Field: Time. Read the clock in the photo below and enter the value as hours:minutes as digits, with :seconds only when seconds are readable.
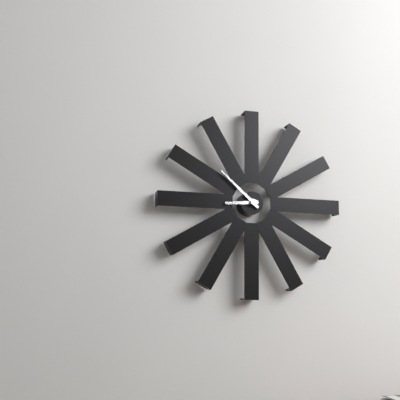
8:52
